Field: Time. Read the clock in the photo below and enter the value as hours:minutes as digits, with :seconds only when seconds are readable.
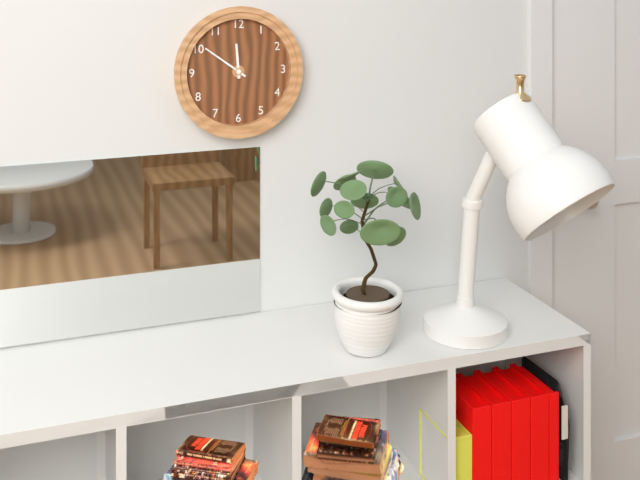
11:51
